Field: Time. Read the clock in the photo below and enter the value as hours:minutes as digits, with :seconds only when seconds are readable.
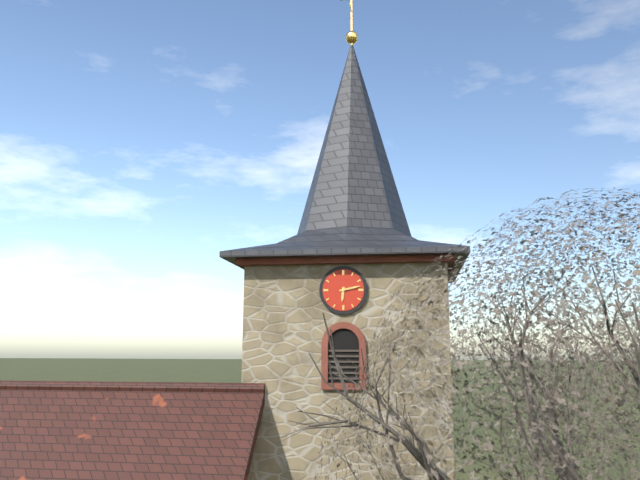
6:13
